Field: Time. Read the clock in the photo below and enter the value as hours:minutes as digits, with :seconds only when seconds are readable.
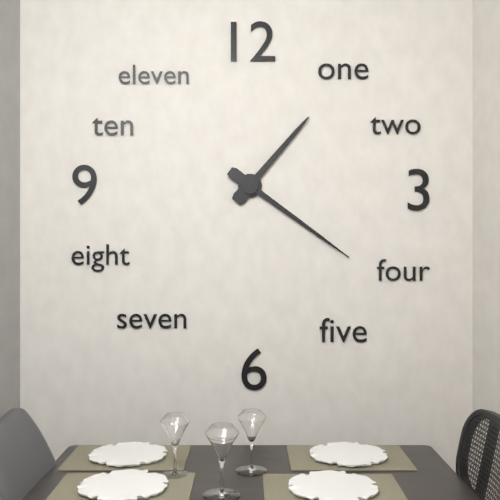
1:21
